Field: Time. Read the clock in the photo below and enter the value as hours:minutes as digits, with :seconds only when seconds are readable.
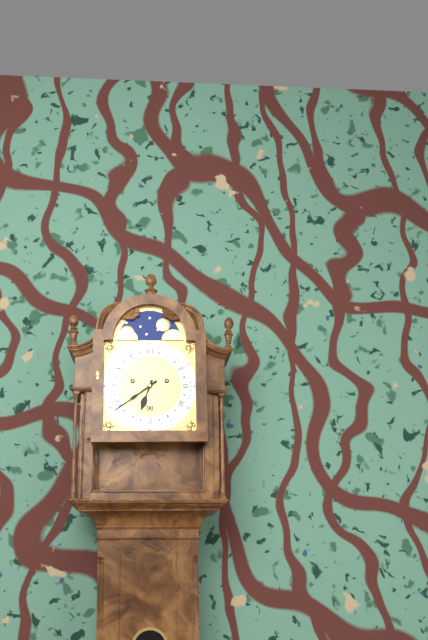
6:39
